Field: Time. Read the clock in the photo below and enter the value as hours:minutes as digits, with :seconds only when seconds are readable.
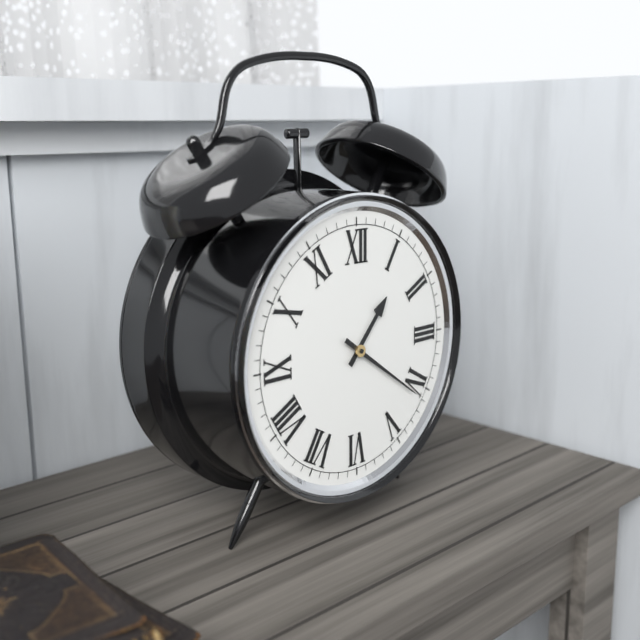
1:21
